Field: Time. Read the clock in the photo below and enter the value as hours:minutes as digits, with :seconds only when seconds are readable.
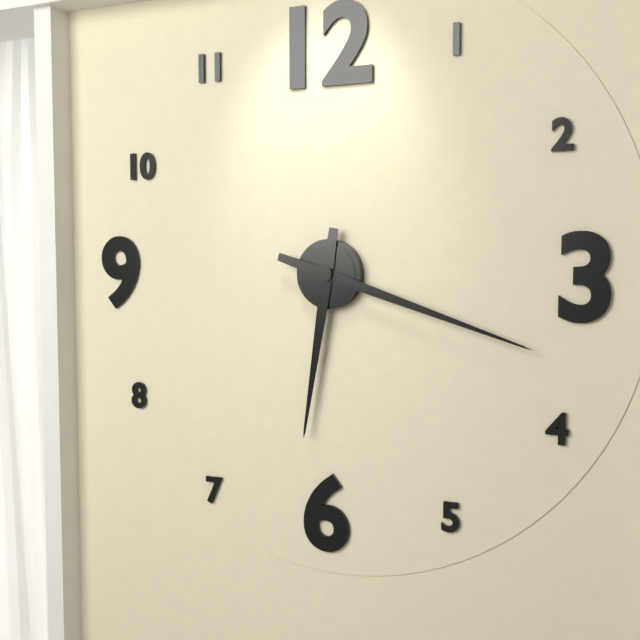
6:18
